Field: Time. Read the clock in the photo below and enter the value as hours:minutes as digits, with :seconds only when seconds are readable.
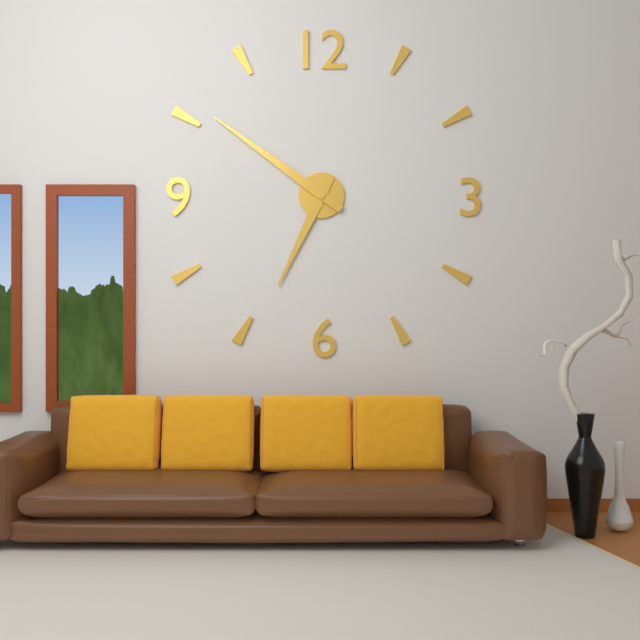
6:51
